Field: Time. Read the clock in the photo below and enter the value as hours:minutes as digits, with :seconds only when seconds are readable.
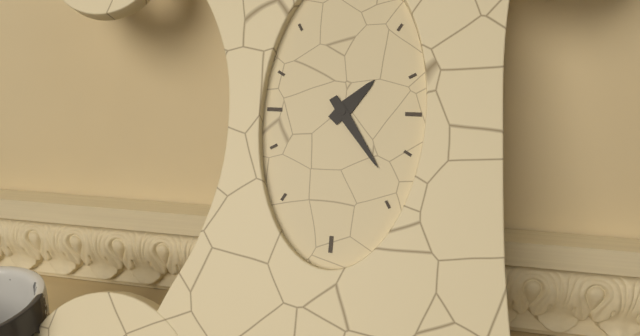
1:24
